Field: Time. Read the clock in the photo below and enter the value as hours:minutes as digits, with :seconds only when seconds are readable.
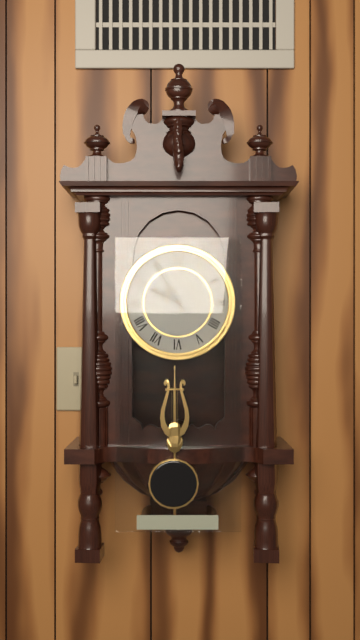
9:55
